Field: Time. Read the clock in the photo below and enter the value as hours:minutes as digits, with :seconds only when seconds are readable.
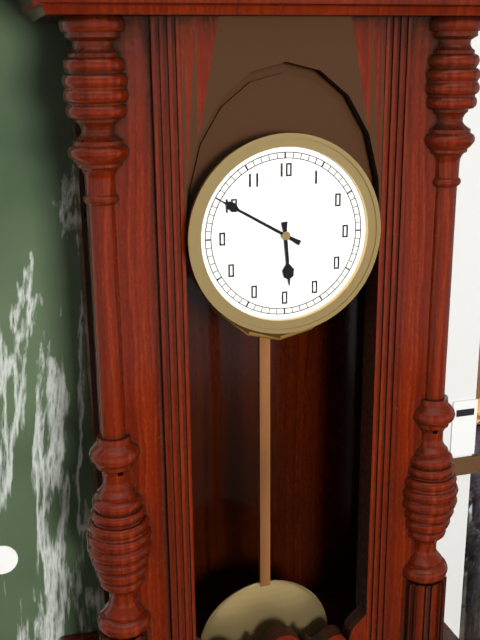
5:50
